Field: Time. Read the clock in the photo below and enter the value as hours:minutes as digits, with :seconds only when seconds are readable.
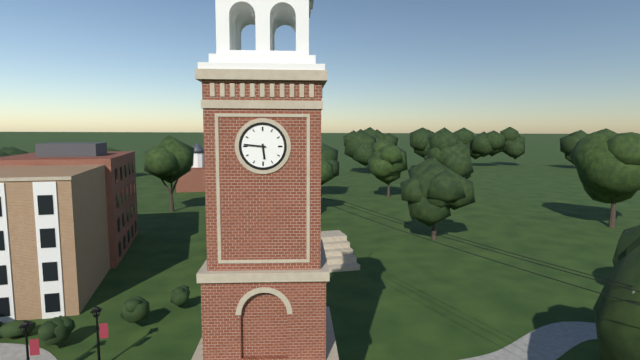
5:46
